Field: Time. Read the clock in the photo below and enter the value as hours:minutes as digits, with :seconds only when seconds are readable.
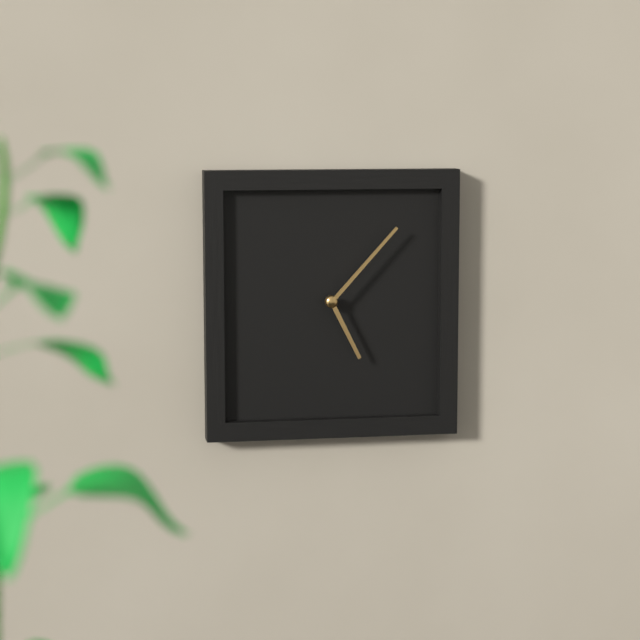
5:07
